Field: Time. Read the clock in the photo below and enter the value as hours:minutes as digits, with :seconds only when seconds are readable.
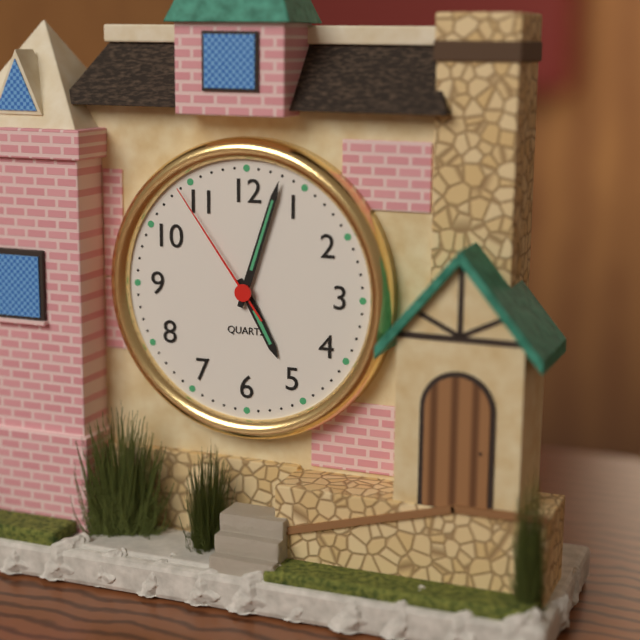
5:03:54
